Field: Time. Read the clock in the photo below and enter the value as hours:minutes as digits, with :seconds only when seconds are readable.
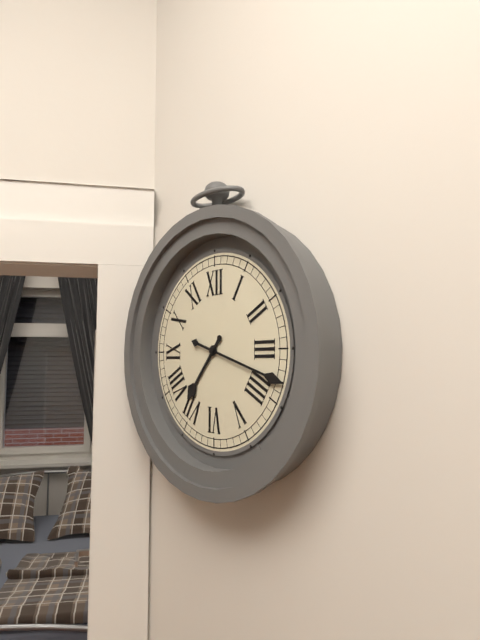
7:18
